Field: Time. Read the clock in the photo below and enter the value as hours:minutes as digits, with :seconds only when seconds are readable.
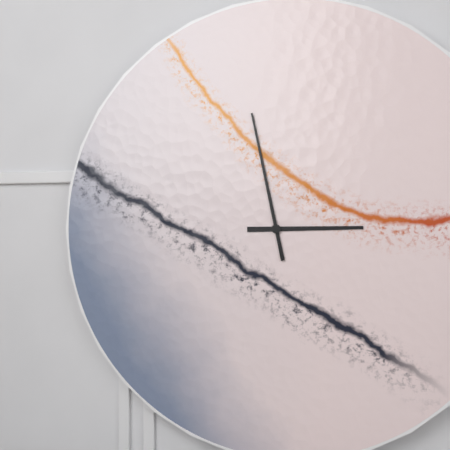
2:58
